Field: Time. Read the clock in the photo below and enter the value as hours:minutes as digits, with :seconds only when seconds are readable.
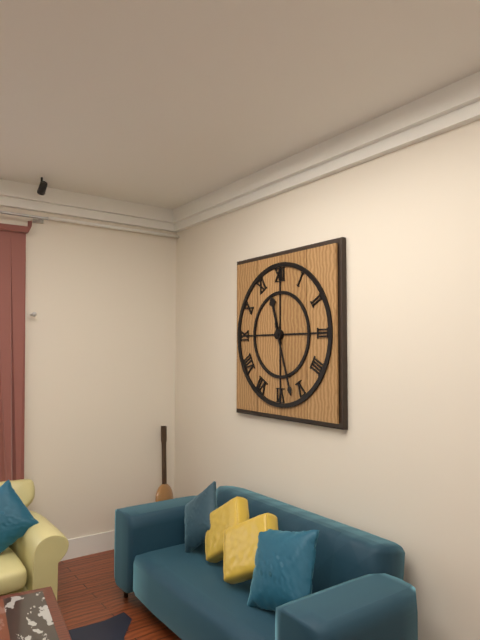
11:27
